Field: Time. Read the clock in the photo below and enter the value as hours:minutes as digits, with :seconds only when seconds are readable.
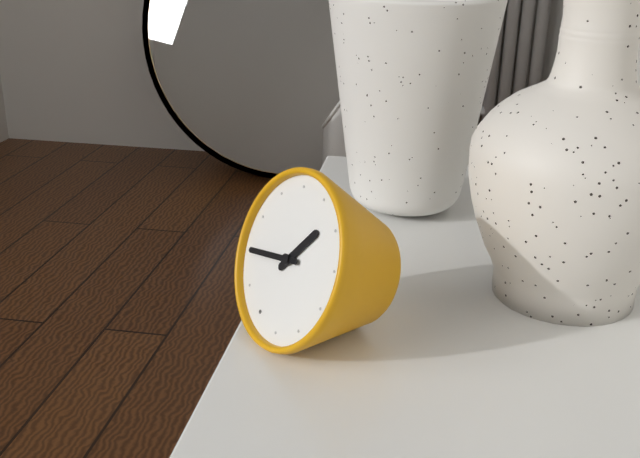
12:40
